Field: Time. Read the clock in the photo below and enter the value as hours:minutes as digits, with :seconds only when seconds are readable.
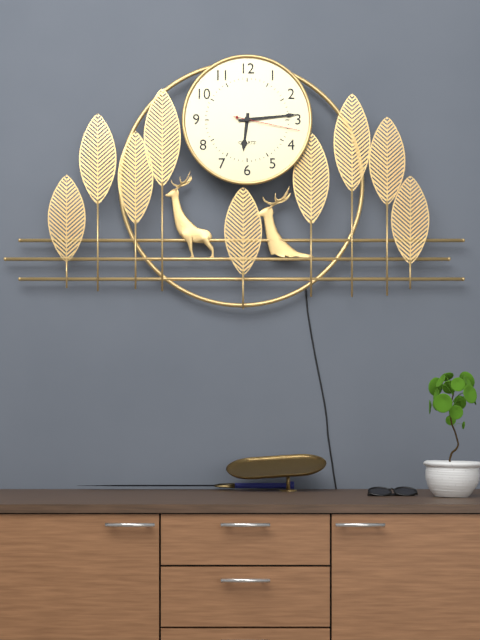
6:14:17
